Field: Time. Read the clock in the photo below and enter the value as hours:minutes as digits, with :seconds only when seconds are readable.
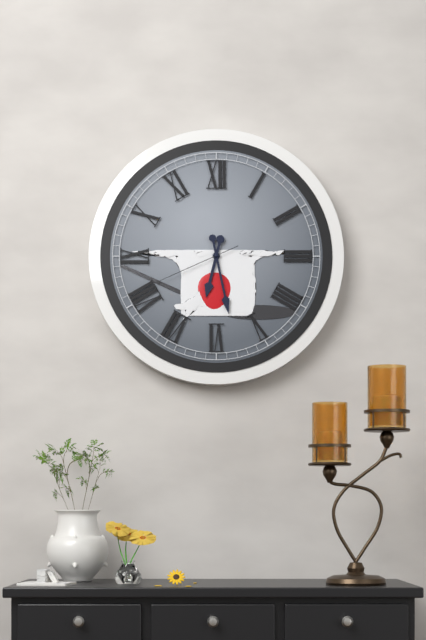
6:28:41
